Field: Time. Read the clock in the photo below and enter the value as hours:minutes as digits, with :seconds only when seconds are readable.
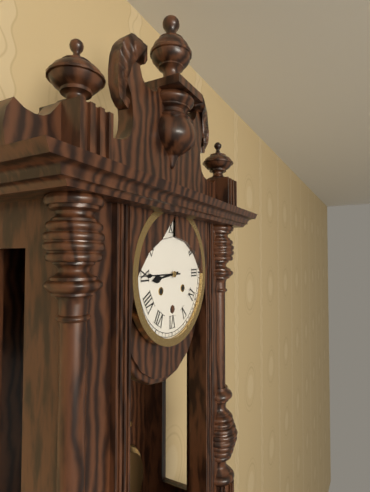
8:45
